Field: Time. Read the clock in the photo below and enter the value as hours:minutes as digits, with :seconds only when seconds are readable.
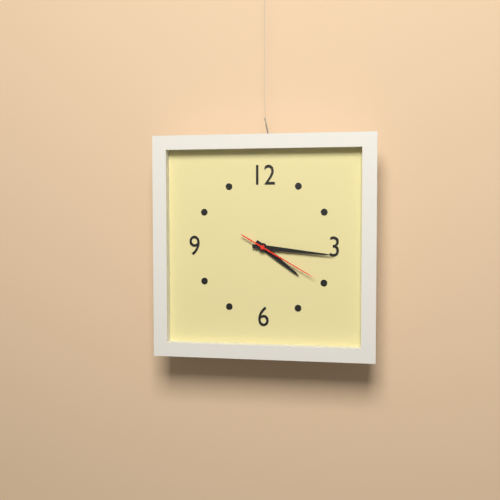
4:16:20
